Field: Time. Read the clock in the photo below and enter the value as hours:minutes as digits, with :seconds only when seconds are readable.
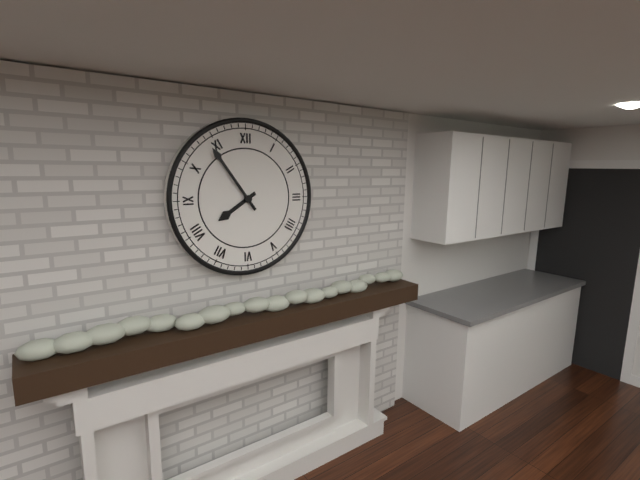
7:54
